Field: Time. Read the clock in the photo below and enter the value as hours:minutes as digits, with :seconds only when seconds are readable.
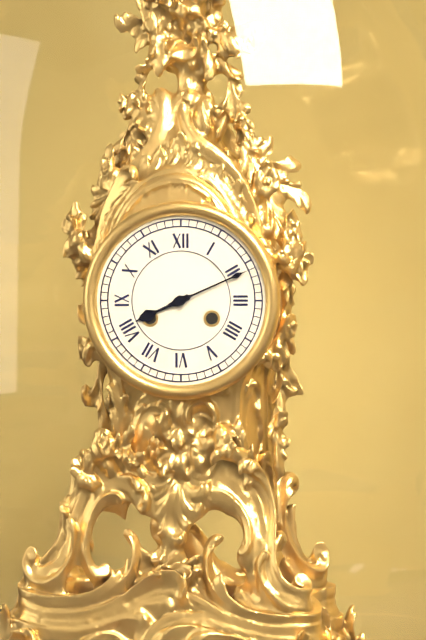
8:11
